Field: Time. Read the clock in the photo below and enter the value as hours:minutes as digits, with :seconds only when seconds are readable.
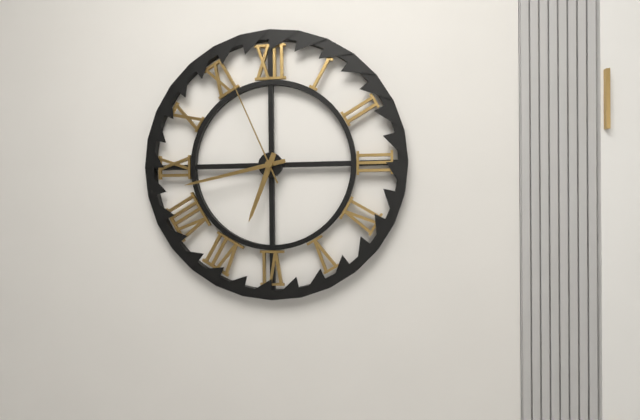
6:43:56
